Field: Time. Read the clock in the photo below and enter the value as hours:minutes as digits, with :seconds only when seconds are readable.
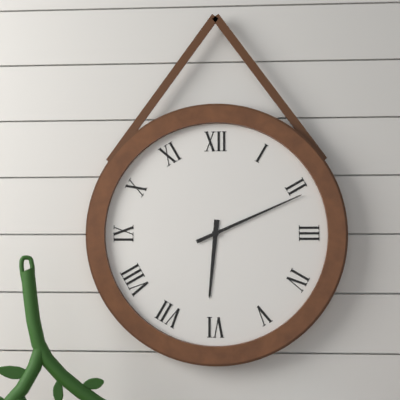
6:11
